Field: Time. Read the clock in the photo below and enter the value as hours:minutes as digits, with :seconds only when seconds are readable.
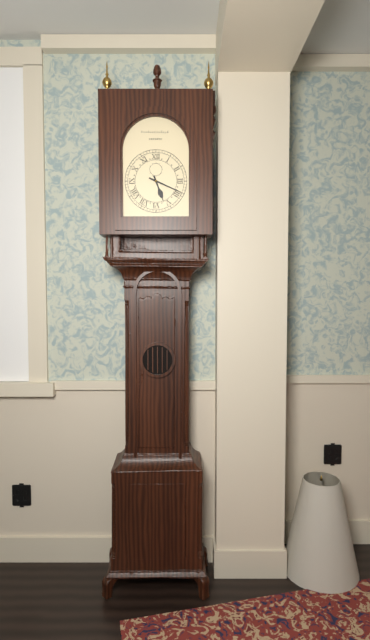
5:19
